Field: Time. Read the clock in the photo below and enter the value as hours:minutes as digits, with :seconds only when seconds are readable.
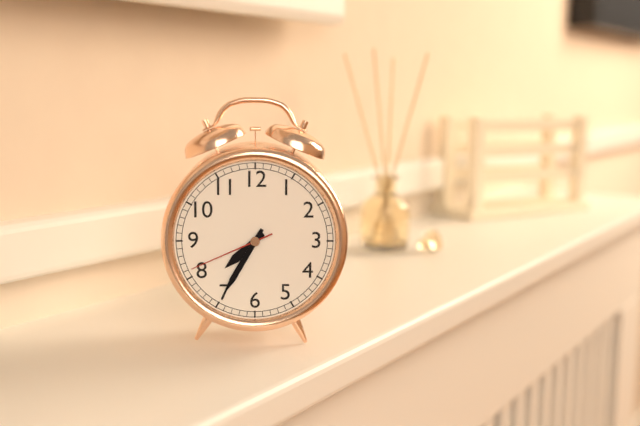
7:35:41
